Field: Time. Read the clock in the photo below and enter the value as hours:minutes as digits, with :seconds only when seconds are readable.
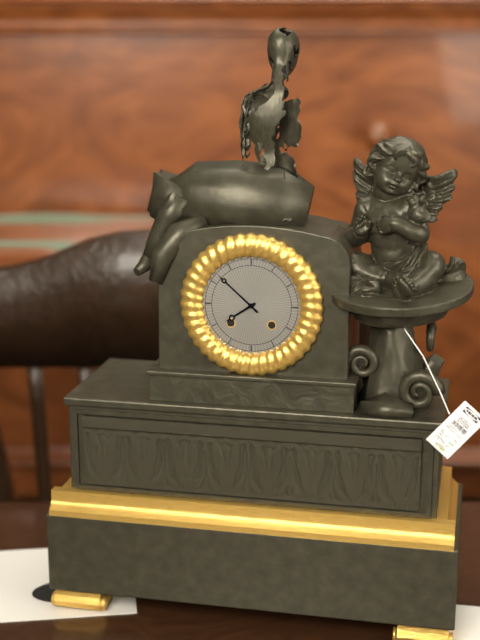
7:52
